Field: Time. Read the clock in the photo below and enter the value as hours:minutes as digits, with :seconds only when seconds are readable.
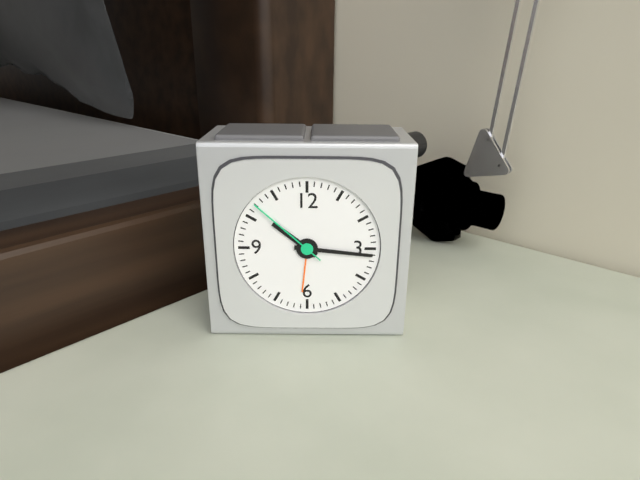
10:16:52
